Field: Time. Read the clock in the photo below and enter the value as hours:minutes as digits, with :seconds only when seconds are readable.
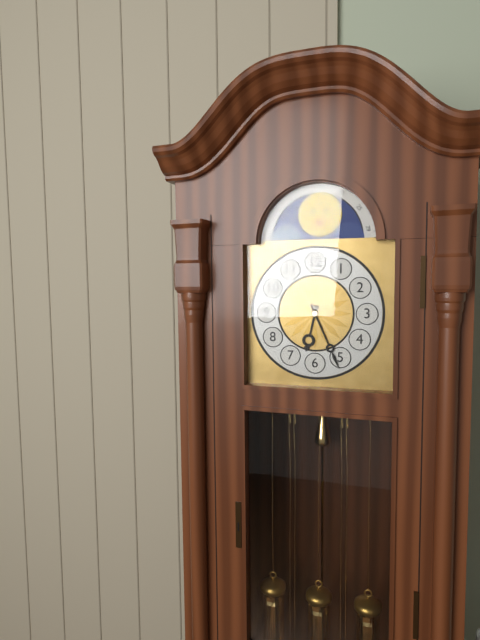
6:26
